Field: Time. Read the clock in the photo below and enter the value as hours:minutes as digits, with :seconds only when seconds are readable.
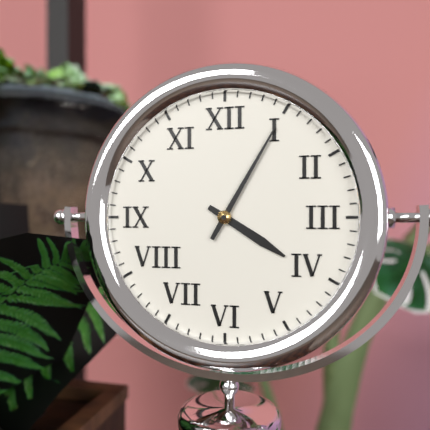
4:05
